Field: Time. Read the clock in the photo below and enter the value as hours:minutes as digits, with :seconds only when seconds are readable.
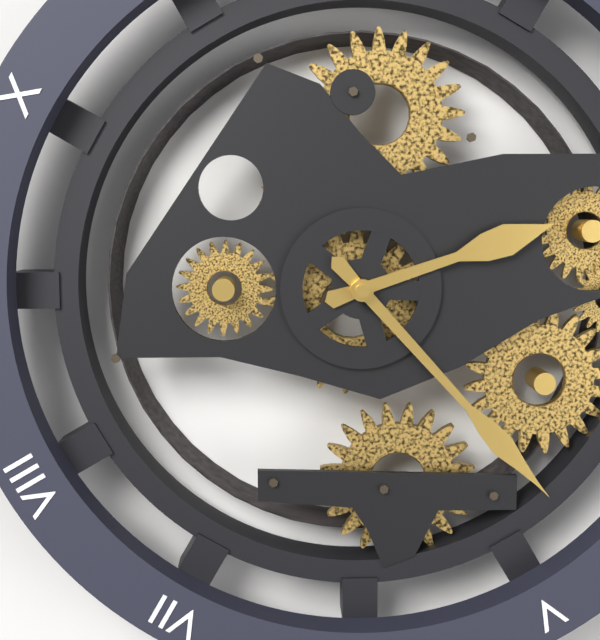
2:23
